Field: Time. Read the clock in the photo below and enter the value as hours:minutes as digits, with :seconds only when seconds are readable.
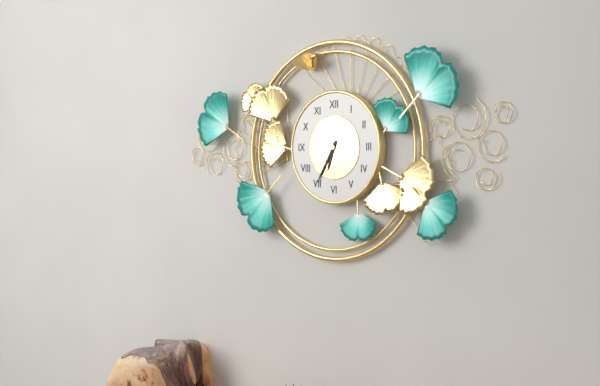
6:35
